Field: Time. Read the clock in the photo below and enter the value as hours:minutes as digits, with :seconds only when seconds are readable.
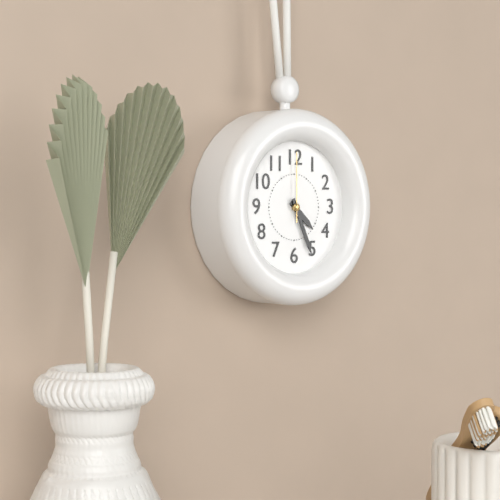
4:26:00
